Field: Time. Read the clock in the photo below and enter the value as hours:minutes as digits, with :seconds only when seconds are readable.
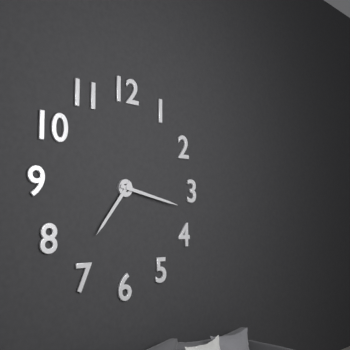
7:17
